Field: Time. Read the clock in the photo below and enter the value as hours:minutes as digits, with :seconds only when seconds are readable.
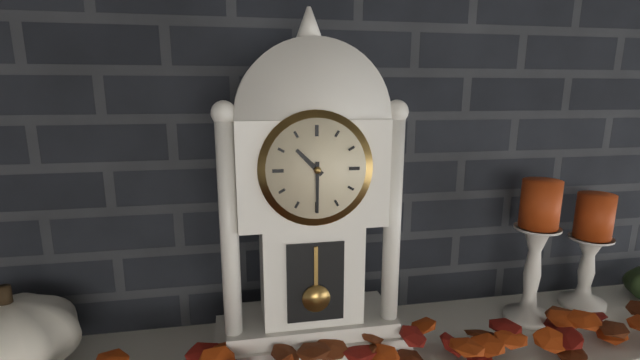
10:30
